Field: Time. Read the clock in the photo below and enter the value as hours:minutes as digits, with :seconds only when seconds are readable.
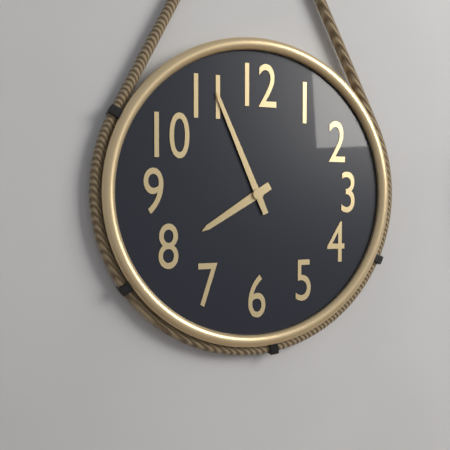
7:56
